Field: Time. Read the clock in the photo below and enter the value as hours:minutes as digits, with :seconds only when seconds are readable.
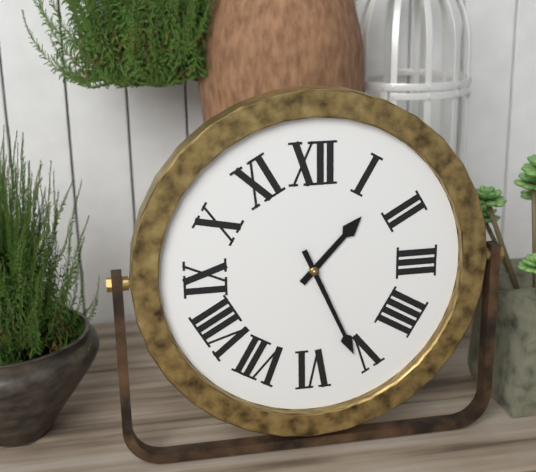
1:26
